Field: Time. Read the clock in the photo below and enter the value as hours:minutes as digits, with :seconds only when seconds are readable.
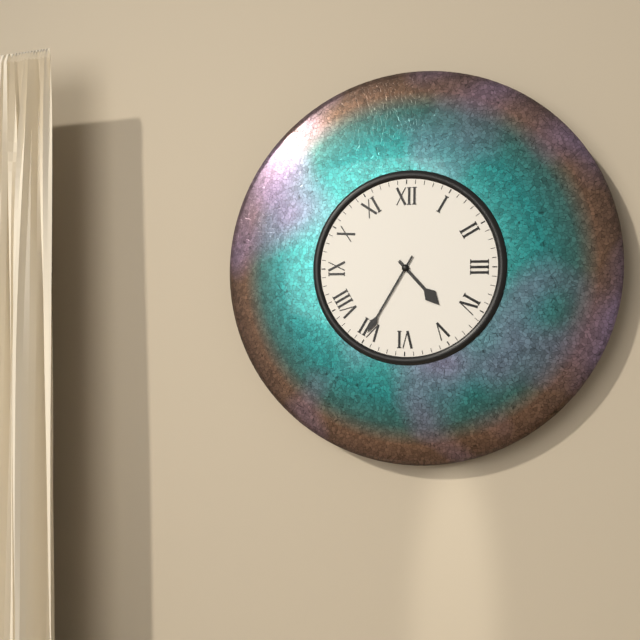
4:35
